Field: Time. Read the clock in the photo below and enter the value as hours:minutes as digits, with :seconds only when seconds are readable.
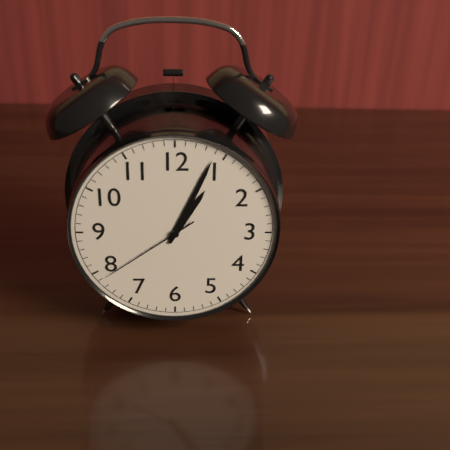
1:04:39
